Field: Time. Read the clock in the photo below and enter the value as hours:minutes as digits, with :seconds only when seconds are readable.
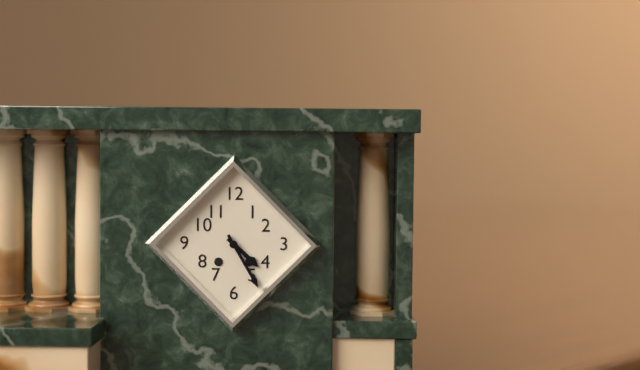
4:25
